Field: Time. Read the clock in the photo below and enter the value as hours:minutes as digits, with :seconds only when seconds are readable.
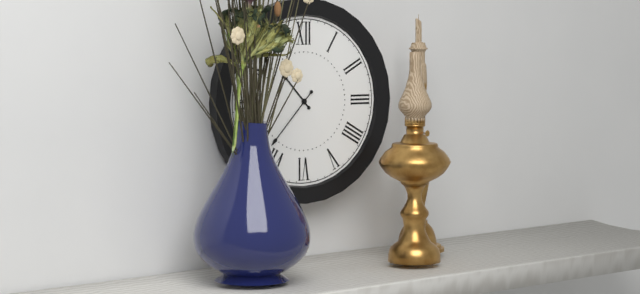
10:37
